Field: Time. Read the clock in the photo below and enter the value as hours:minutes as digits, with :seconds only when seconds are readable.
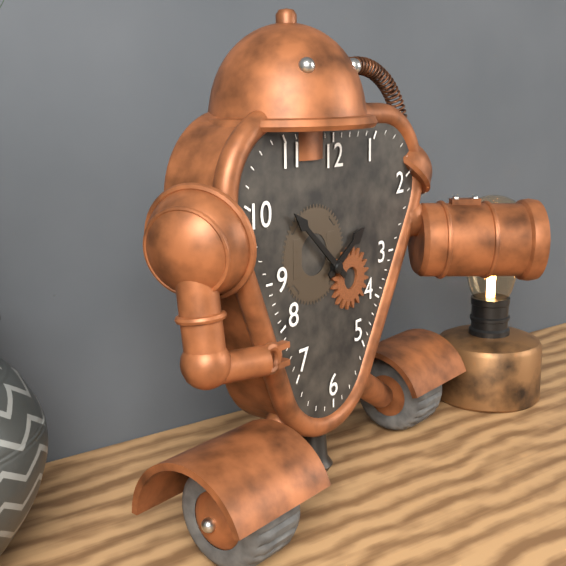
1:52
